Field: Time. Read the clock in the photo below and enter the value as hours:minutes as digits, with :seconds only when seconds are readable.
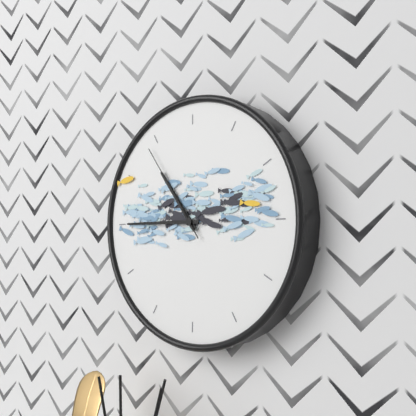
10:45:54
